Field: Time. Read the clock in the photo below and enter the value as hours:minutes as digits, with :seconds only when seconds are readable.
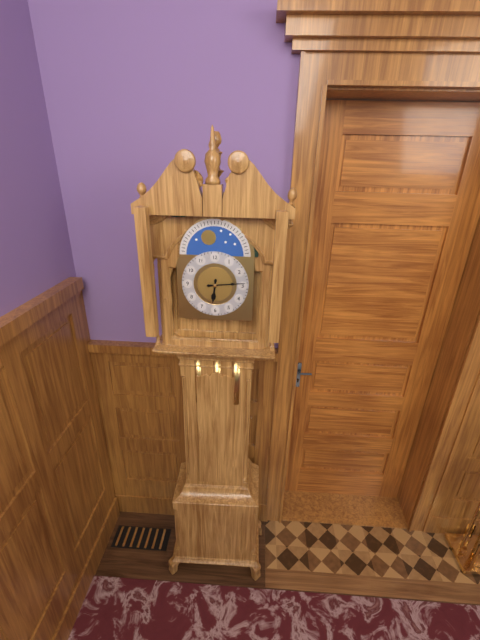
6:14
